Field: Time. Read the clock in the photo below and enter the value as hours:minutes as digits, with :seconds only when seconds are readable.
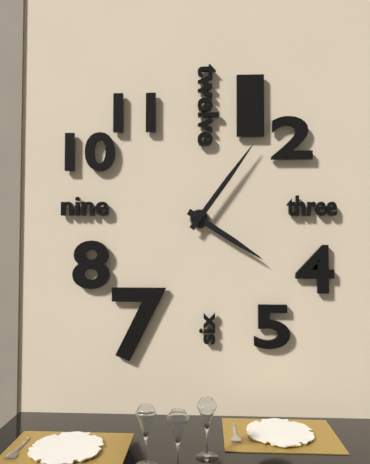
4:06
